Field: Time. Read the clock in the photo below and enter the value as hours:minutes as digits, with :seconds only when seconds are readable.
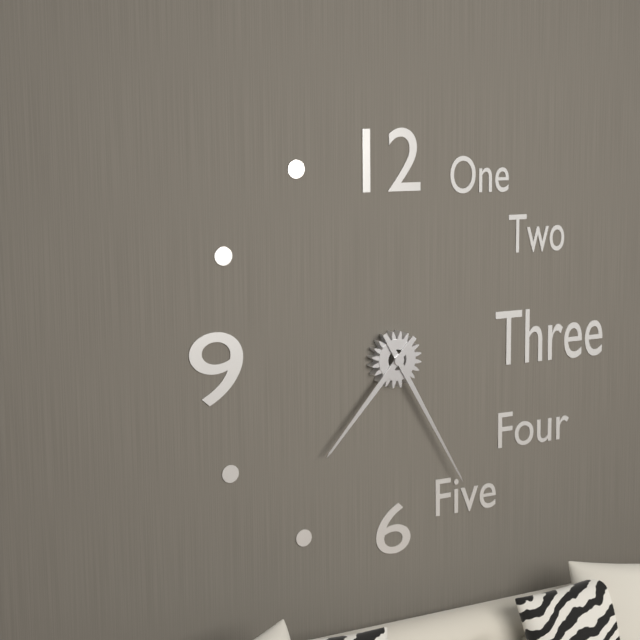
7:25
